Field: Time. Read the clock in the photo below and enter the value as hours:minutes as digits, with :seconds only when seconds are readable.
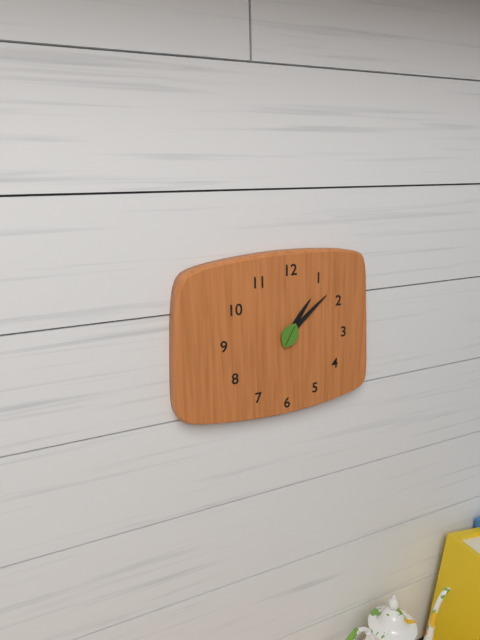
1:08
